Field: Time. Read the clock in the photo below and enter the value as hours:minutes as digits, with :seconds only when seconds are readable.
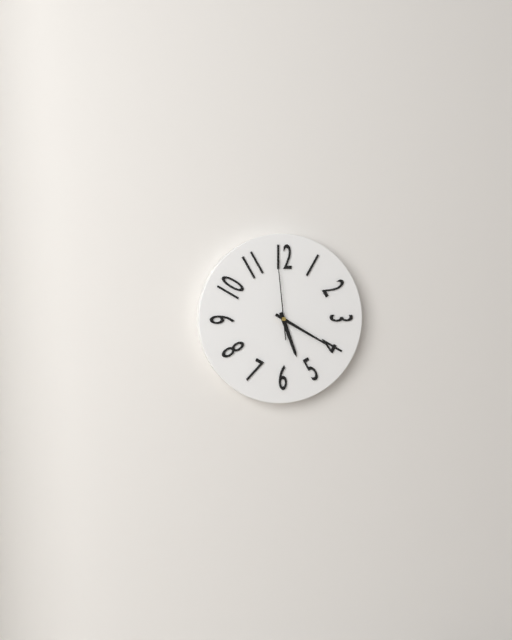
5:20:59
